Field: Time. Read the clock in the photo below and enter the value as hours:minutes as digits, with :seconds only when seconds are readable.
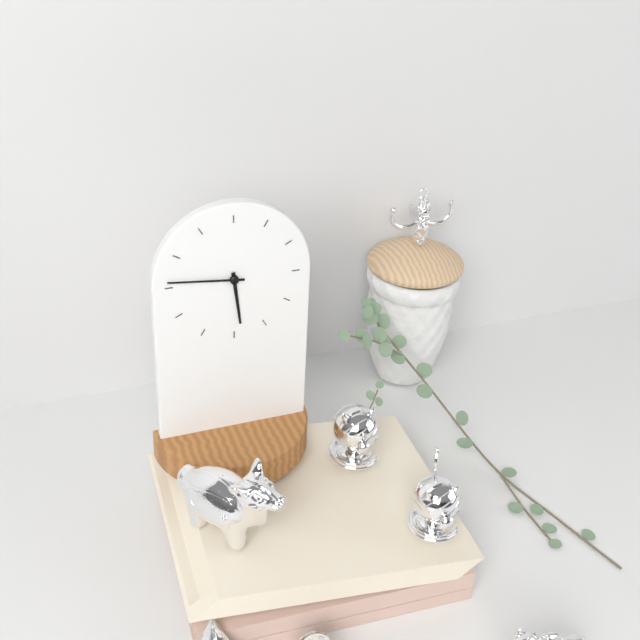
5:46
